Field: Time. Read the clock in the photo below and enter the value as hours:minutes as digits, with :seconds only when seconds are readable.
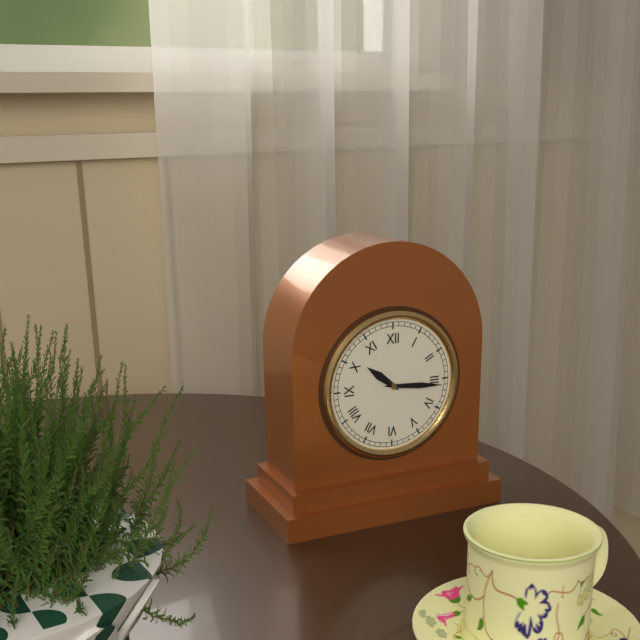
10:16
